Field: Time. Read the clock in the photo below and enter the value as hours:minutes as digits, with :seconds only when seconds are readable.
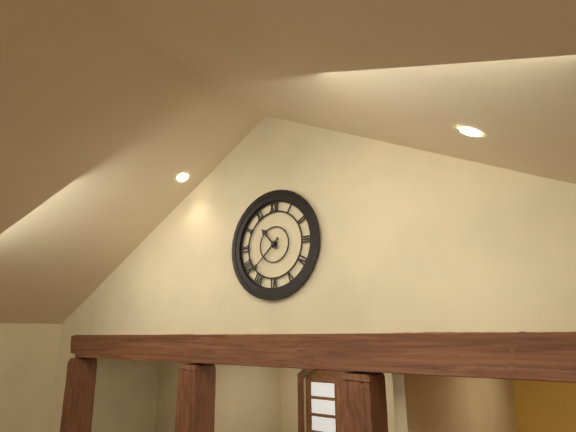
10:38
